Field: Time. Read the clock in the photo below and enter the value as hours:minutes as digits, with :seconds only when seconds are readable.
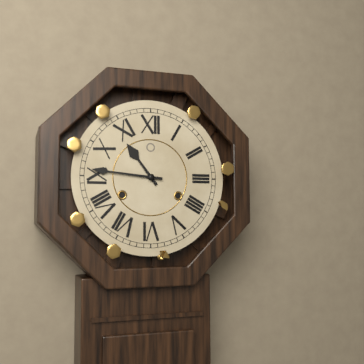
10:46
